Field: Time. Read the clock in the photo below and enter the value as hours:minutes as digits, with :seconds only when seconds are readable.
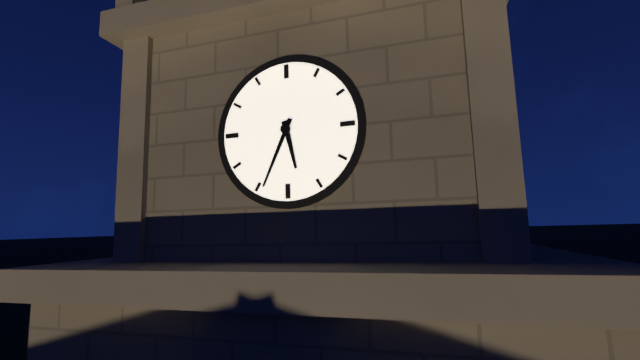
5:34
